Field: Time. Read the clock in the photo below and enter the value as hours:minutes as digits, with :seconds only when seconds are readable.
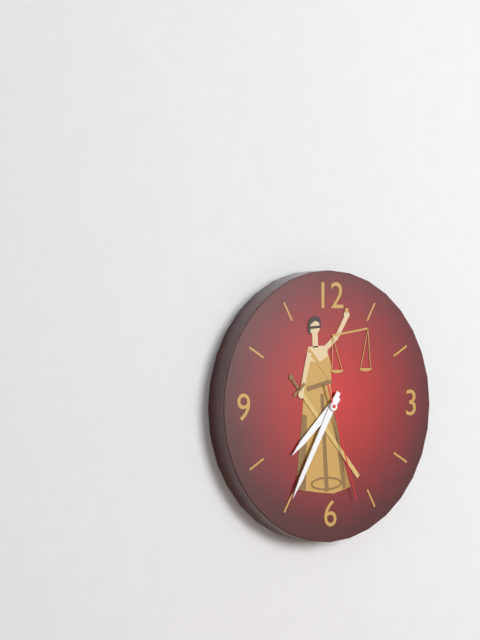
7:35:27
